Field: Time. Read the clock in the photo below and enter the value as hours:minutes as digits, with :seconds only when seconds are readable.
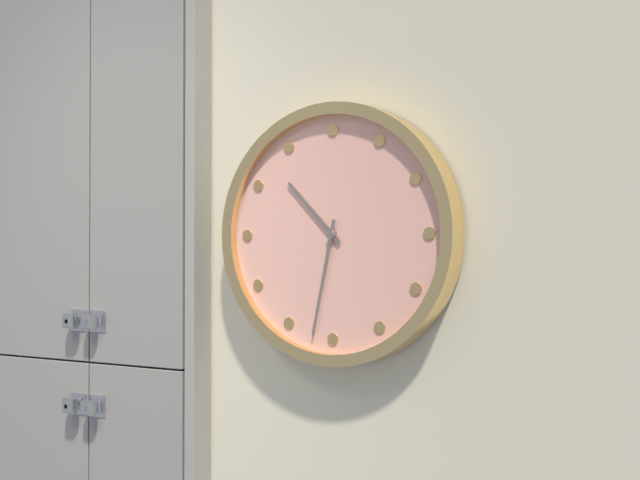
10:32
